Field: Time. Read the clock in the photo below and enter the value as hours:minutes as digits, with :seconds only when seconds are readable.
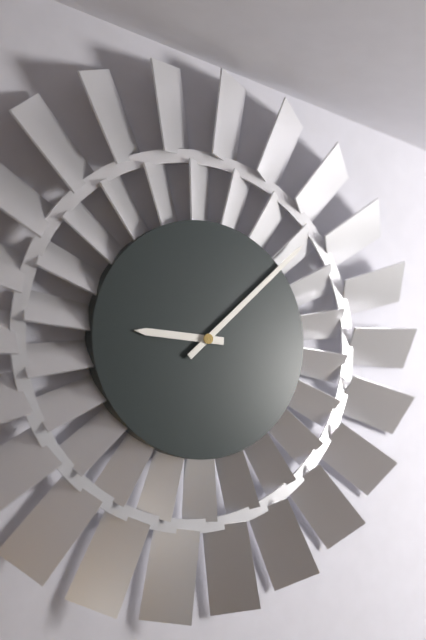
9:08
